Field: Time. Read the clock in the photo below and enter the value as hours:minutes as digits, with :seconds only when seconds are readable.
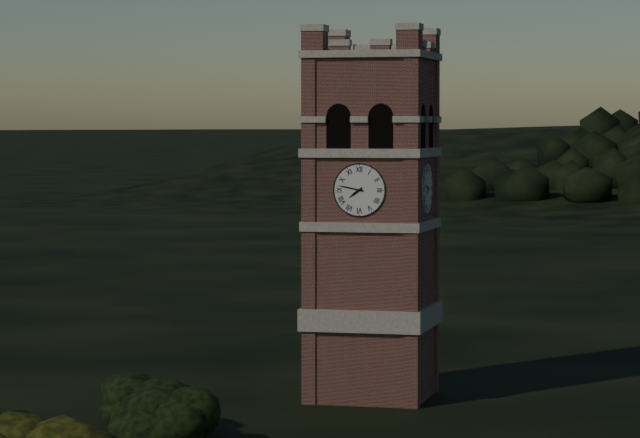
7:47
